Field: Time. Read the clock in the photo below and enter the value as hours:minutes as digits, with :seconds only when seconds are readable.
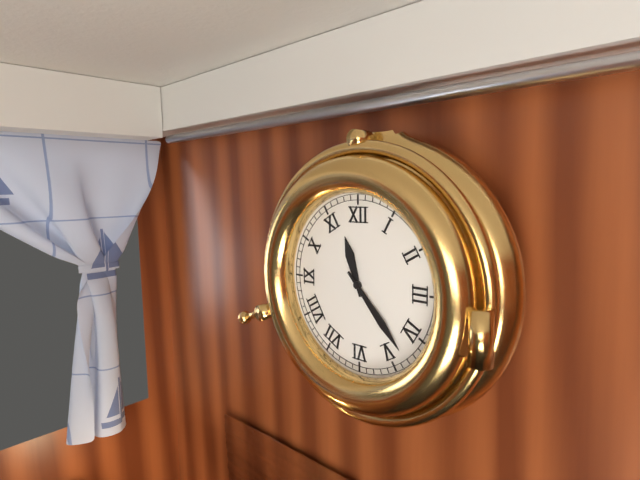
11:23
